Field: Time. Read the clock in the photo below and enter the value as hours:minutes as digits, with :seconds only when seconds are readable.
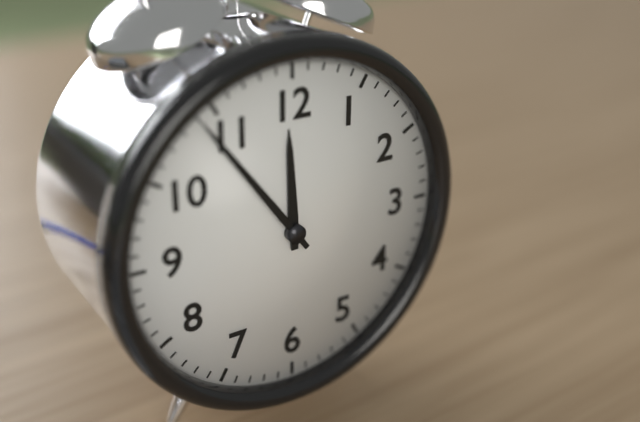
11:54
